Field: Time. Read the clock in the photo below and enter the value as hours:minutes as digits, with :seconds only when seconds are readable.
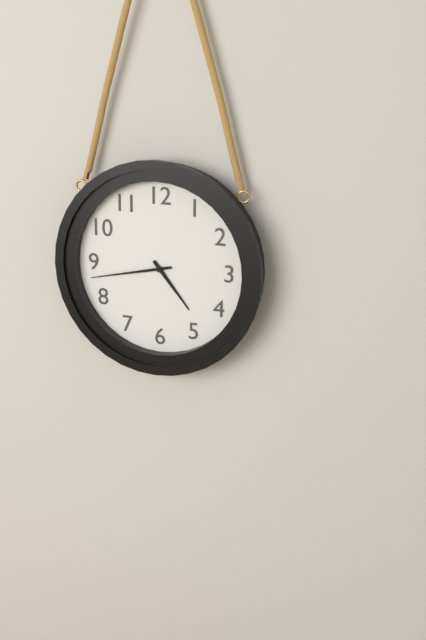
4:43
